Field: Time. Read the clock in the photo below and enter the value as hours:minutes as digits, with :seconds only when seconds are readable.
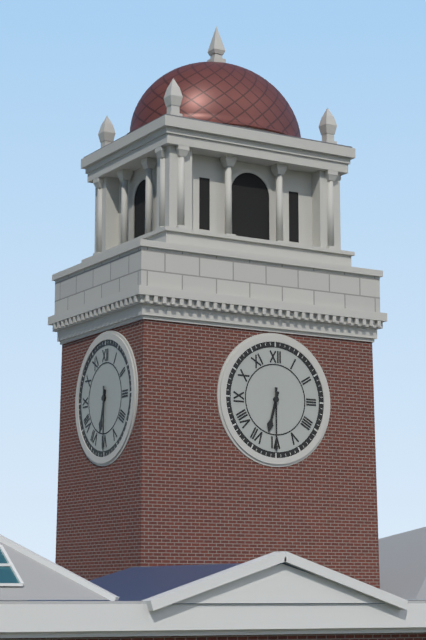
6:30
